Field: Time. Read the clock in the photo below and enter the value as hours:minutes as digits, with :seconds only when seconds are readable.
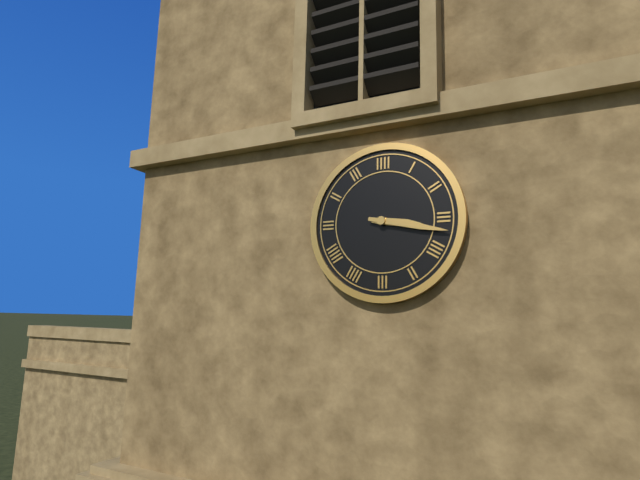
3:17
